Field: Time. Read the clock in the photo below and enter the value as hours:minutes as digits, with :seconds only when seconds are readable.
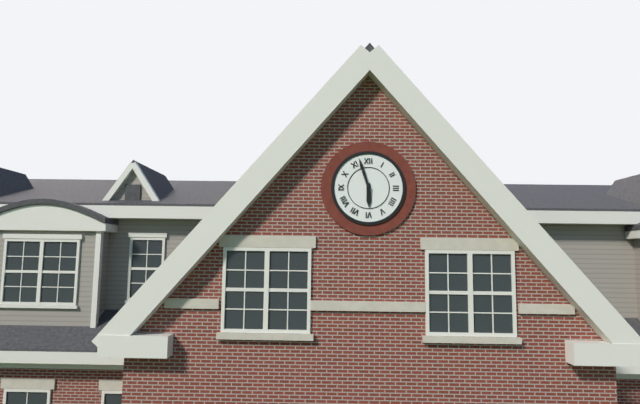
5:57
